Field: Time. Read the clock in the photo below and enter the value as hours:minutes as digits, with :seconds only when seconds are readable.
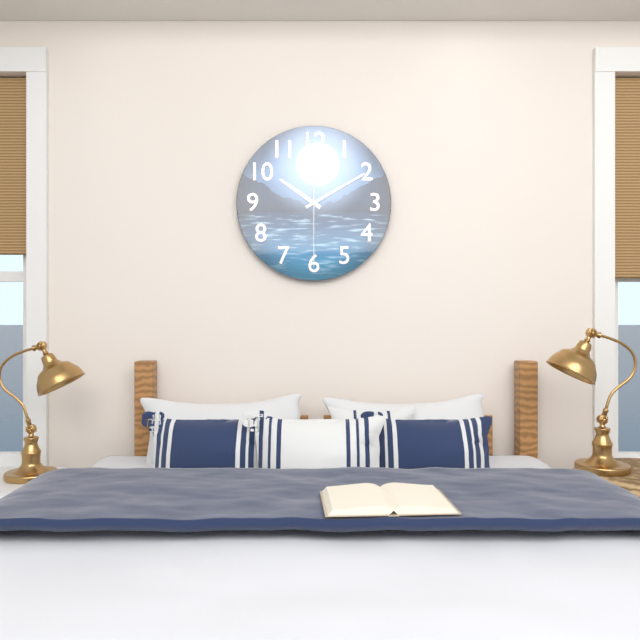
10:10:30
